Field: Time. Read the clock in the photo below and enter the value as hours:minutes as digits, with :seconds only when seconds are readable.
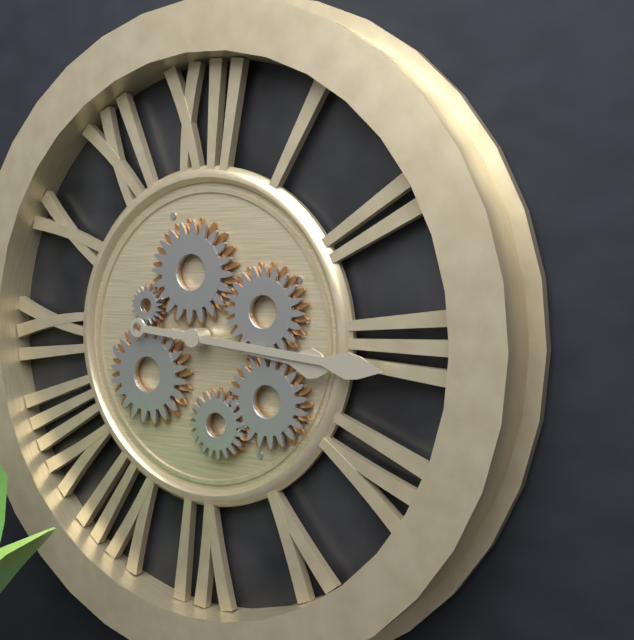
3:16
